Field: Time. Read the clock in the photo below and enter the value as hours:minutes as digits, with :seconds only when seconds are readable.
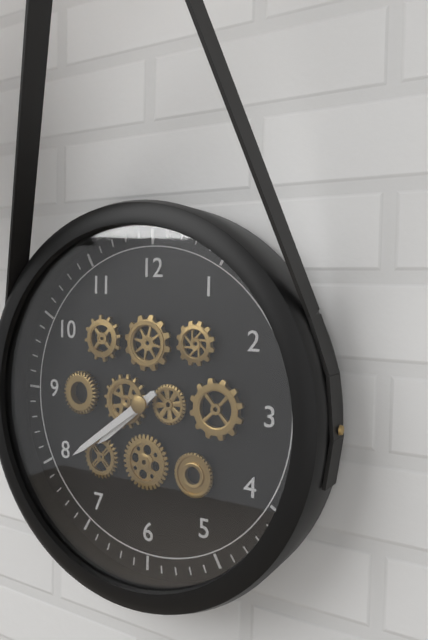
7:39
